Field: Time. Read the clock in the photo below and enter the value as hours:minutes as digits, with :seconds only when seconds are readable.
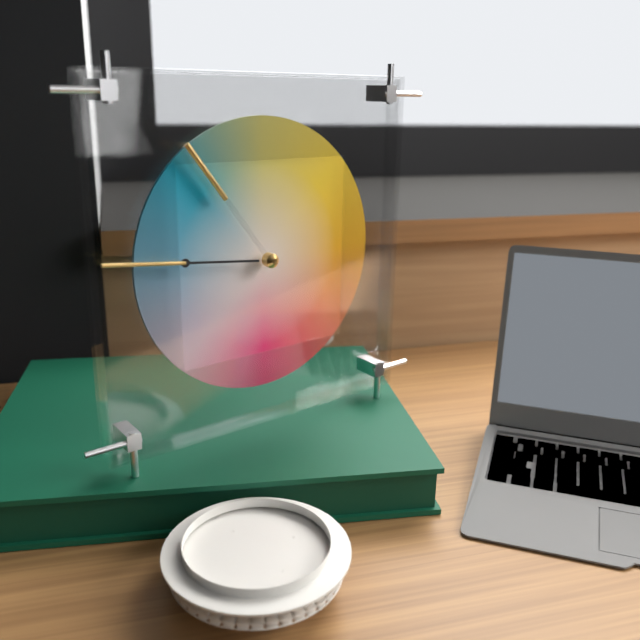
10:46
